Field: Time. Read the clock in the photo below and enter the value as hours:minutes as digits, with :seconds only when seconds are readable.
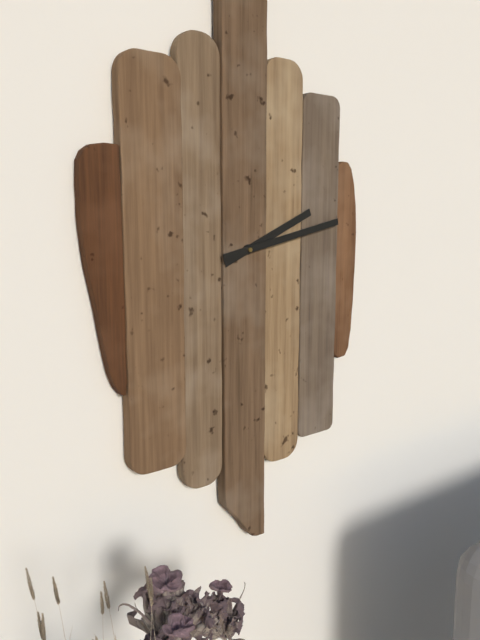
2:13
